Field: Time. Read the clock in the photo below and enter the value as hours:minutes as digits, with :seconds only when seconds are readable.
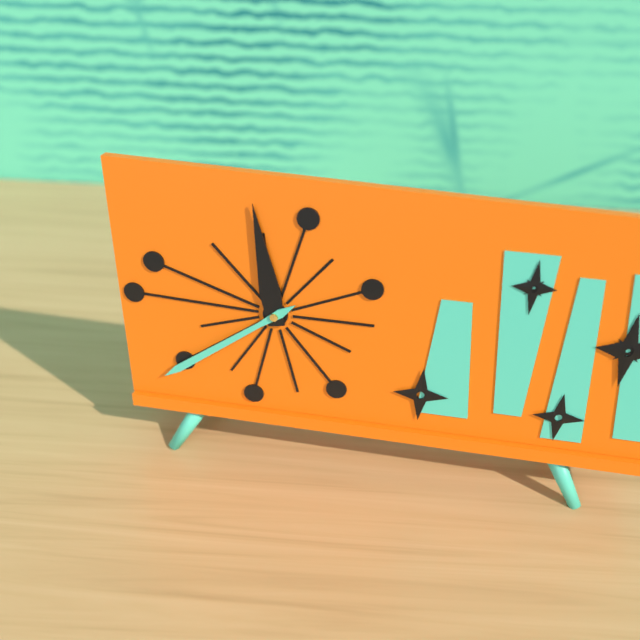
11:39
